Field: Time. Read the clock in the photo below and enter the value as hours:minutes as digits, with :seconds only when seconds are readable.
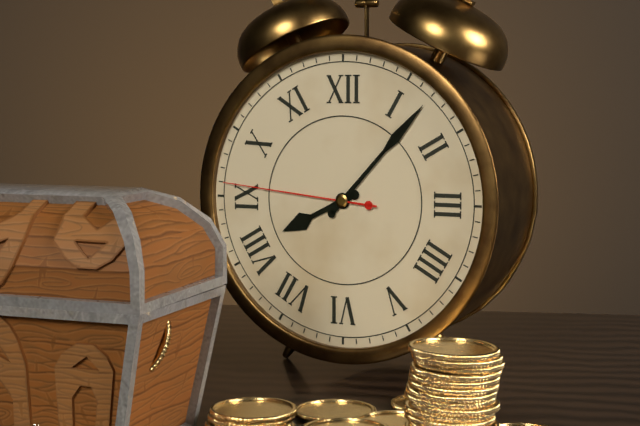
8:07:46
